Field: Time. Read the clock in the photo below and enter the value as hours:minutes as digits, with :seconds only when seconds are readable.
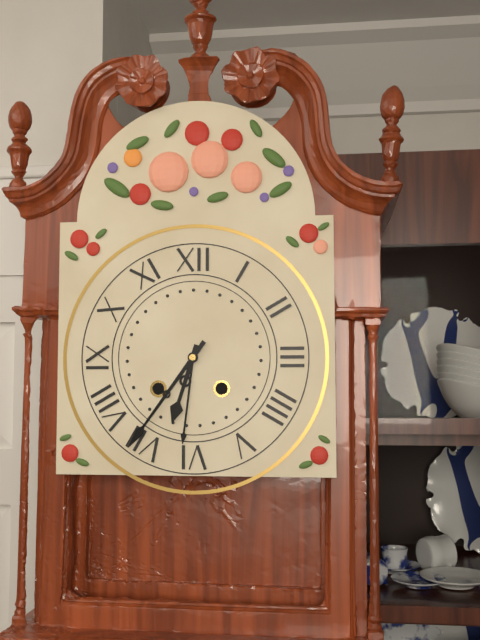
6:36
